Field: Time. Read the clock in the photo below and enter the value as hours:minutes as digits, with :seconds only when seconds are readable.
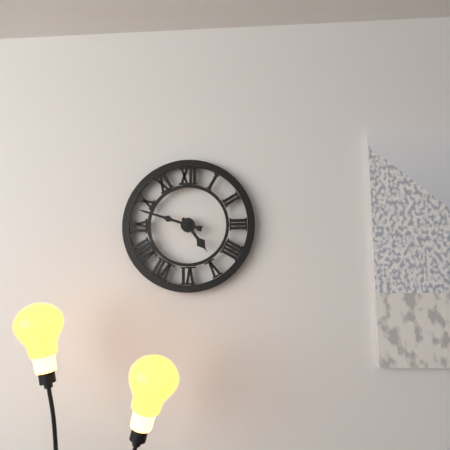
4:48
